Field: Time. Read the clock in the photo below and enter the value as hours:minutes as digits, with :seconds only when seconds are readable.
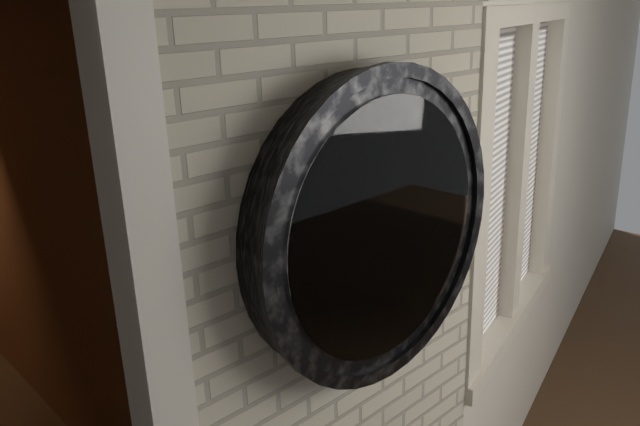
4:58
